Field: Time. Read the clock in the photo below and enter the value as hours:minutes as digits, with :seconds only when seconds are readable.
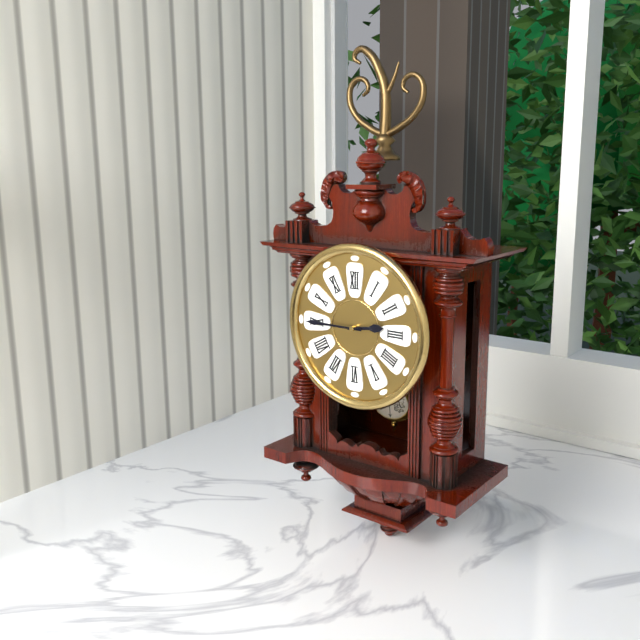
2:45
